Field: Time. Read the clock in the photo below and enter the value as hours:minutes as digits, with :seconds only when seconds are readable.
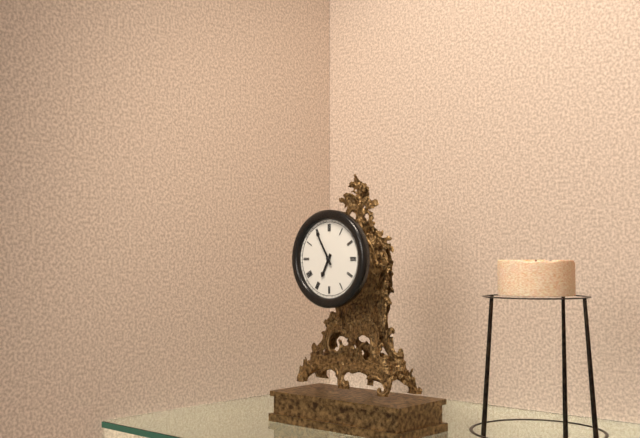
6:55
